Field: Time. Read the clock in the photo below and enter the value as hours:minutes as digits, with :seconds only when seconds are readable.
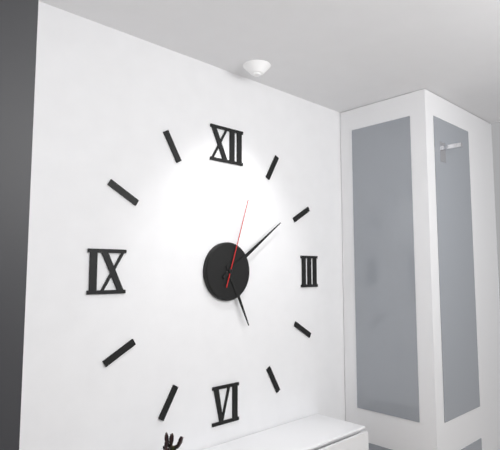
5:09:03
